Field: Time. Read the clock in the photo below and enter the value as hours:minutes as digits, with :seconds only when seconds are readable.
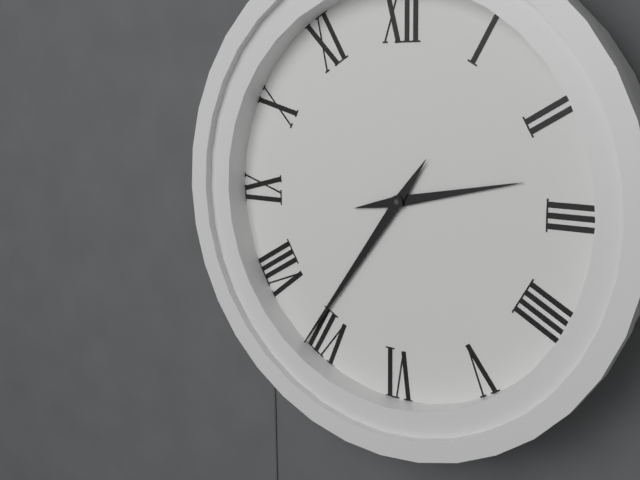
2:36
